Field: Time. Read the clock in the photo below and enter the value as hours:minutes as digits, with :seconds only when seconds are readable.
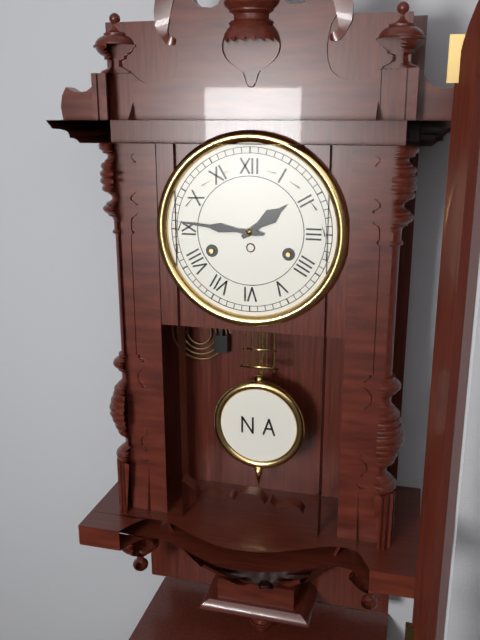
1:46
